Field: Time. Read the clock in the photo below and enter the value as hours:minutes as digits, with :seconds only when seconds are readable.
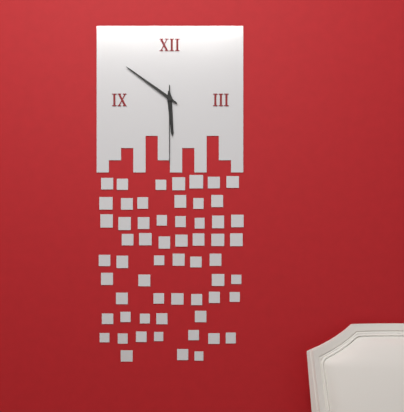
5:51:30
